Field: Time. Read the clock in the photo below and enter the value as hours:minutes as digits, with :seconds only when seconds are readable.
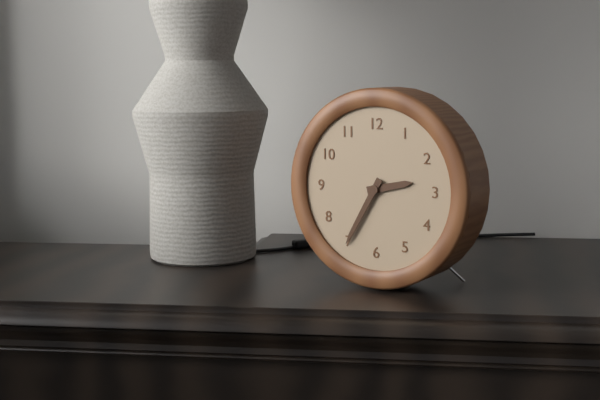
2:35
